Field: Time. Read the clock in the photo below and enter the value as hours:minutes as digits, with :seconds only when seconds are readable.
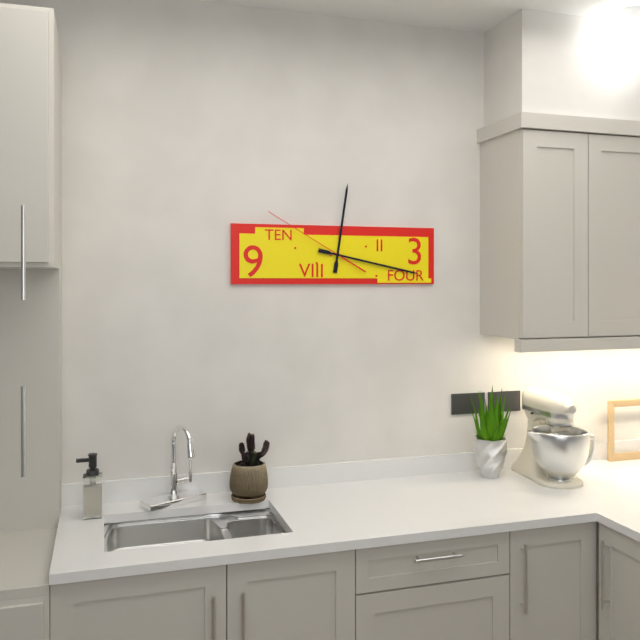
12:17:50
